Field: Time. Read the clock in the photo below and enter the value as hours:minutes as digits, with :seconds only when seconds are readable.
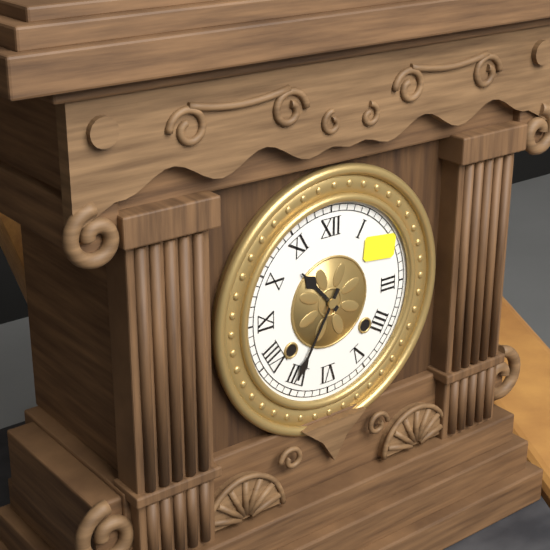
10:35
